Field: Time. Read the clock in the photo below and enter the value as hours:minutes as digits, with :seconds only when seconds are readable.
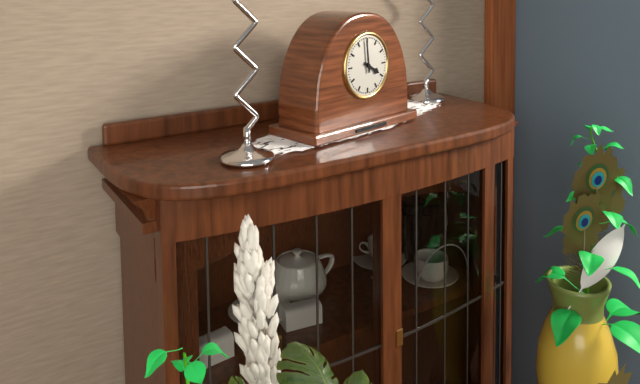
3:59
